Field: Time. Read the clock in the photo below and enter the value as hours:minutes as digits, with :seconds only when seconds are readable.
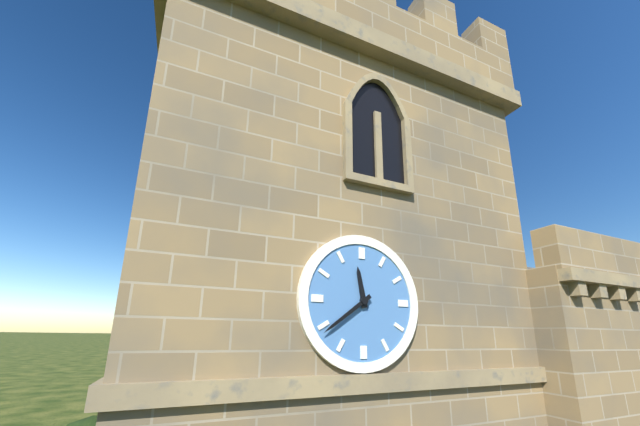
11:39
